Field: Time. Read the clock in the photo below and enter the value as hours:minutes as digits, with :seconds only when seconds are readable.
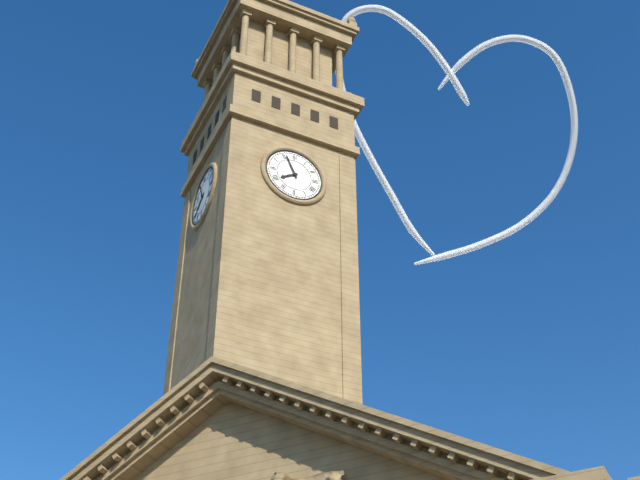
7:56
